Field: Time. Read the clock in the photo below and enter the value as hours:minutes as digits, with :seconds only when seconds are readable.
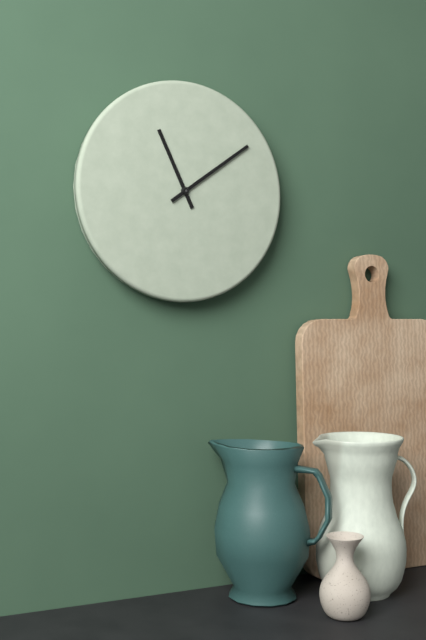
11:09
